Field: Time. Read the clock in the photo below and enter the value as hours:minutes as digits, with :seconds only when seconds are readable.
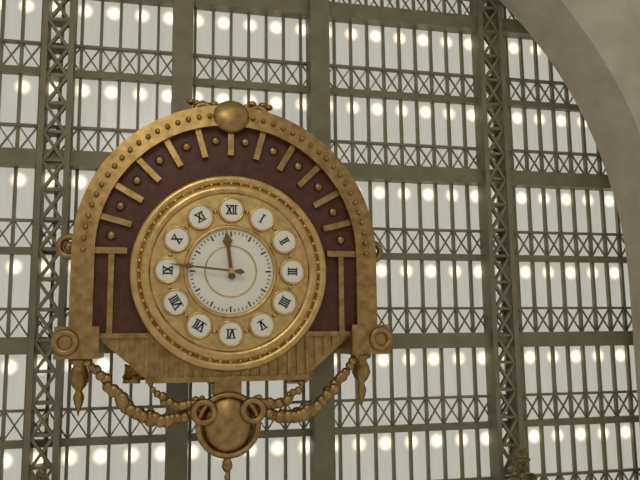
11:46
